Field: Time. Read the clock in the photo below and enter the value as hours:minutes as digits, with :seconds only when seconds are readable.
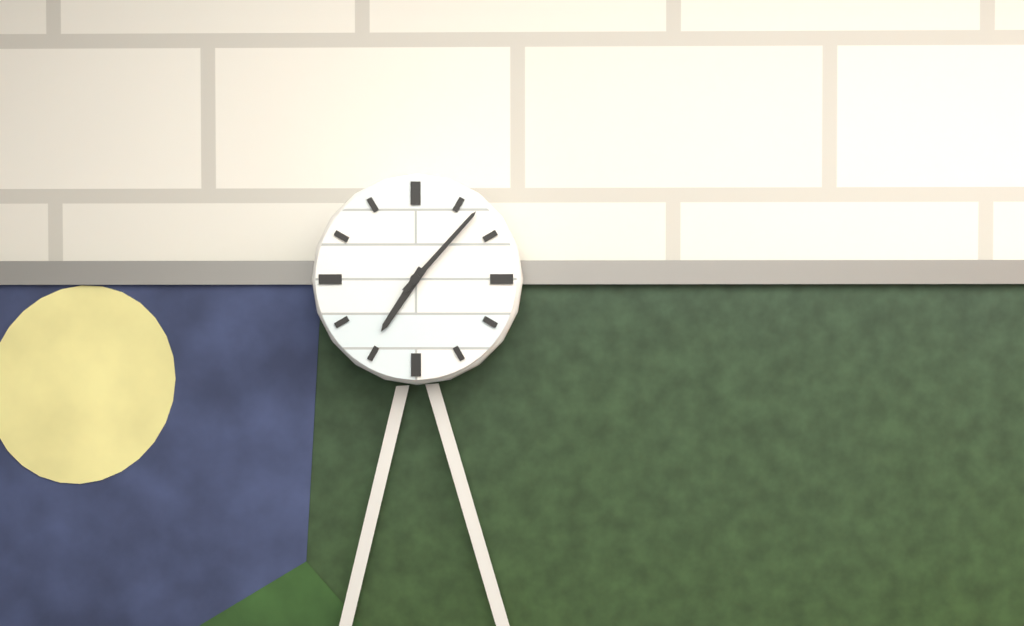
7:07
